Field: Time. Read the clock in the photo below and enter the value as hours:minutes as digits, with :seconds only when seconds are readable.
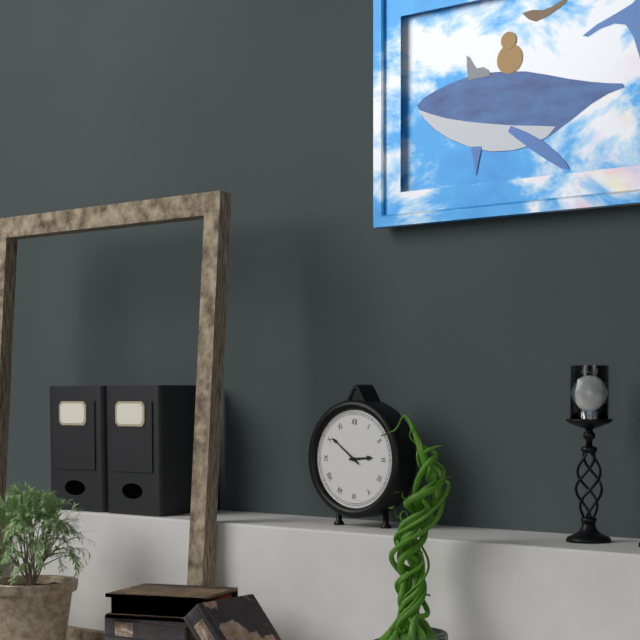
2:51
